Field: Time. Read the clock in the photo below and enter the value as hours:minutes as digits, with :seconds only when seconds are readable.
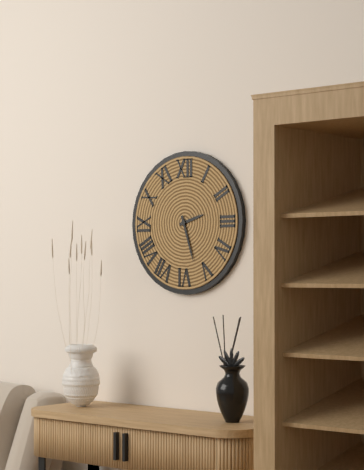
2:27
